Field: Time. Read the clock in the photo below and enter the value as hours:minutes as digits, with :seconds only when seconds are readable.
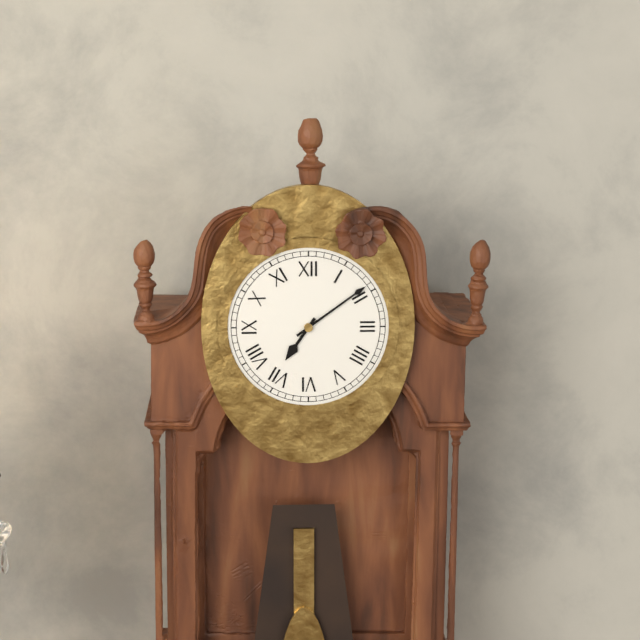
7:09
